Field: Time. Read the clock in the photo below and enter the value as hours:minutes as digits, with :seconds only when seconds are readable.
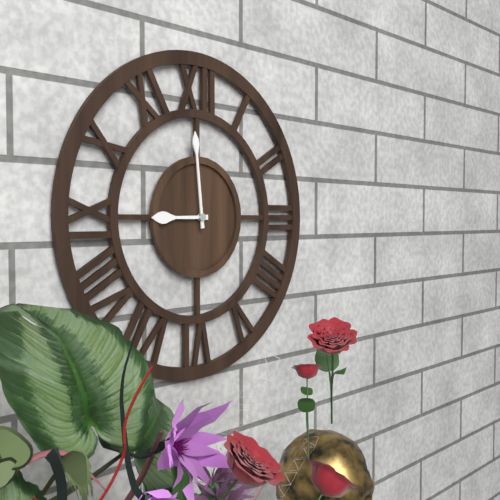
8:59
